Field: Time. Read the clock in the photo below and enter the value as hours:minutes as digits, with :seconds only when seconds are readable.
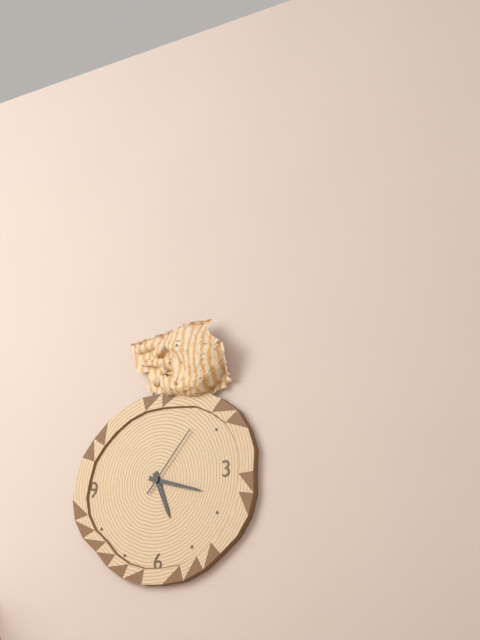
5:18:07
